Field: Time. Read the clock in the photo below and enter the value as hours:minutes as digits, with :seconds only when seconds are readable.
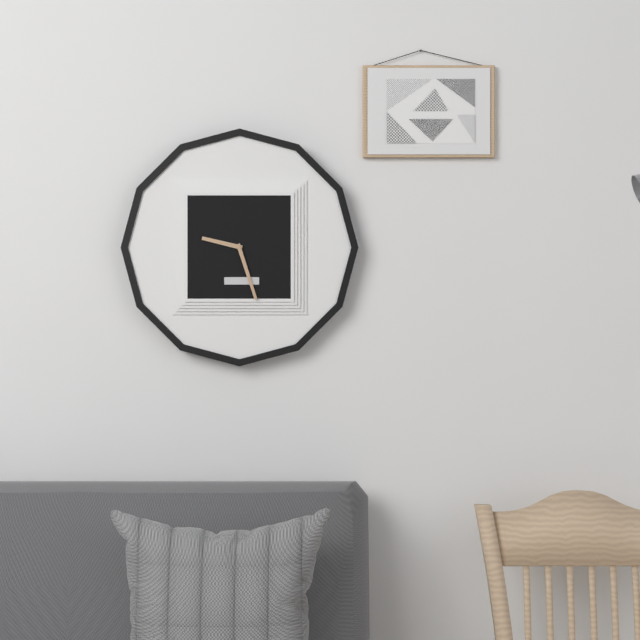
9:27
